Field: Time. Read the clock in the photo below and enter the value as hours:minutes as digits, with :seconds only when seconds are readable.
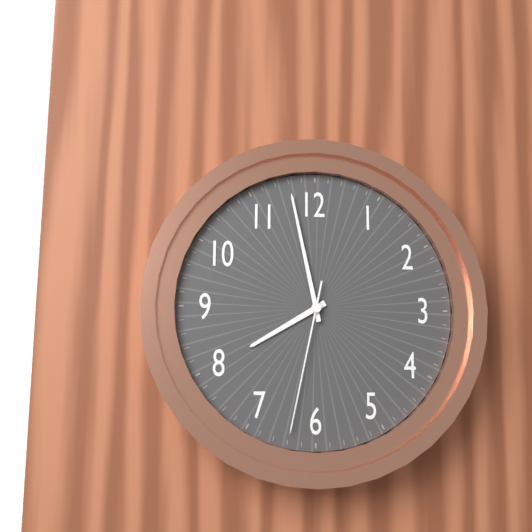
7:58:32
